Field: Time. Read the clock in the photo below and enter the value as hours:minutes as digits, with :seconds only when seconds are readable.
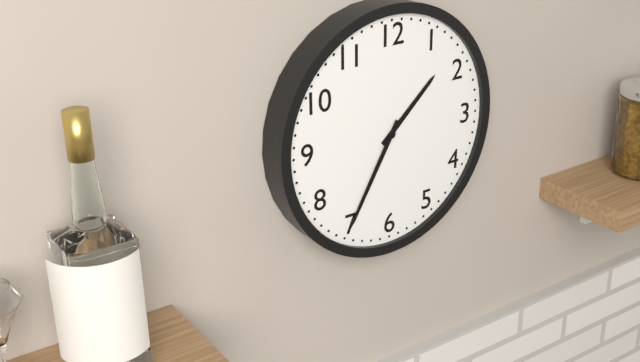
1:35
